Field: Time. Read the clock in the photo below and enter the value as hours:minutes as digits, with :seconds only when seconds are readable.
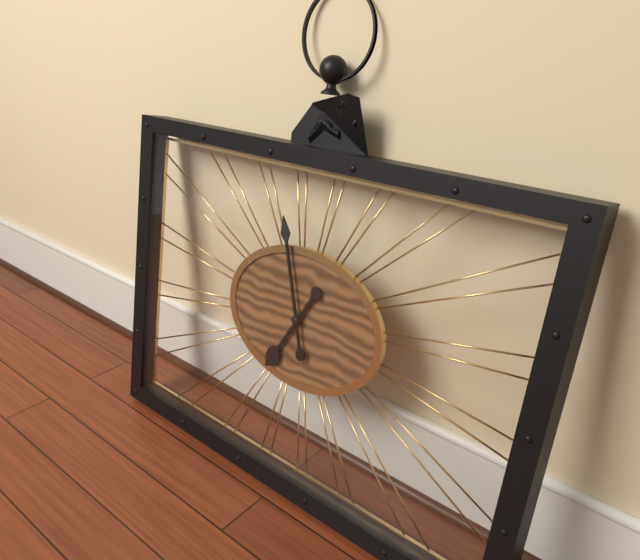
6:57
